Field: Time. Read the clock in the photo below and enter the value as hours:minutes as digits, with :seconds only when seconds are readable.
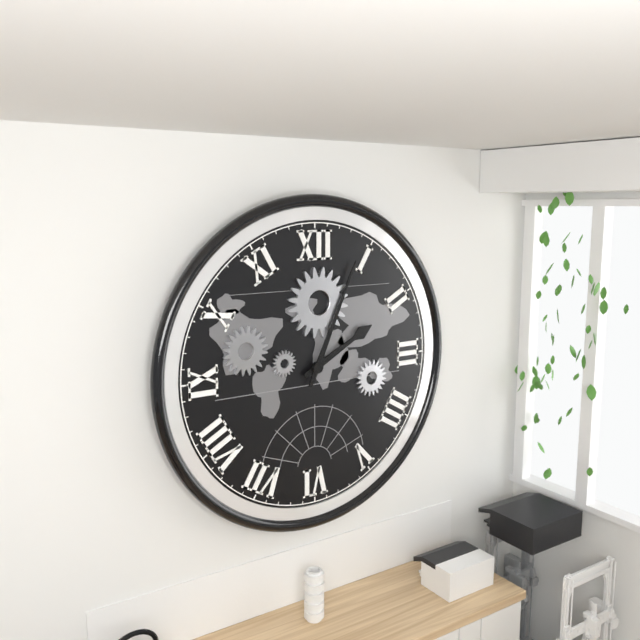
2:04
